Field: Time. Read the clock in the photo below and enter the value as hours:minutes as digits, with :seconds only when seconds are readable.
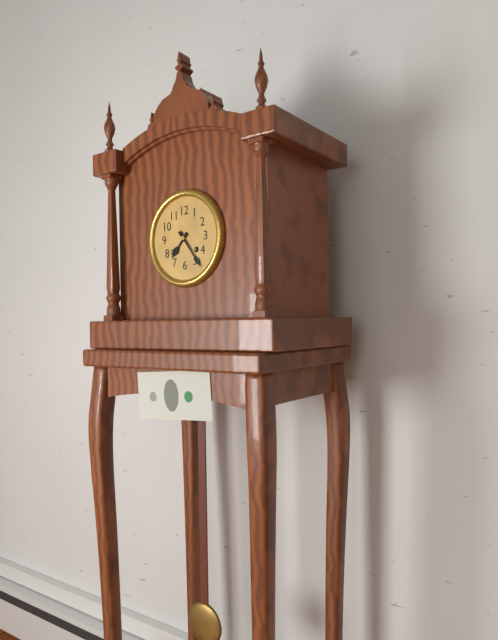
7:24
